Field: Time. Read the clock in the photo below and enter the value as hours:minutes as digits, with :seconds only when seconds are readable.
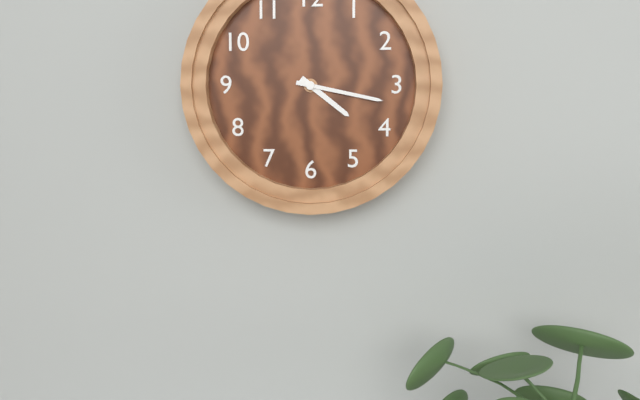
4:17
